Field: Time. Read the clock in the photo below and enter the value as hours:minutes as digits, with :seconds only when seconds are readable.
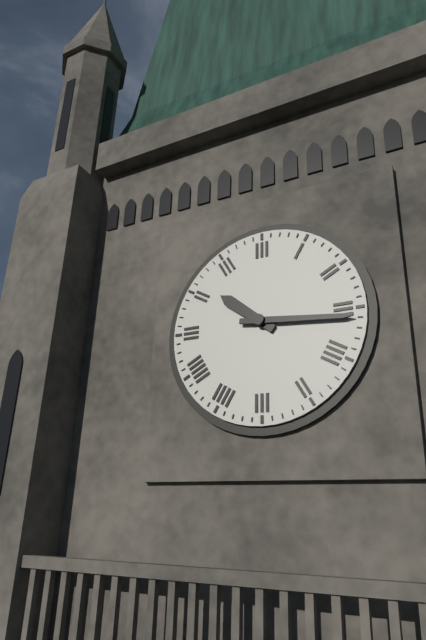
10:16
